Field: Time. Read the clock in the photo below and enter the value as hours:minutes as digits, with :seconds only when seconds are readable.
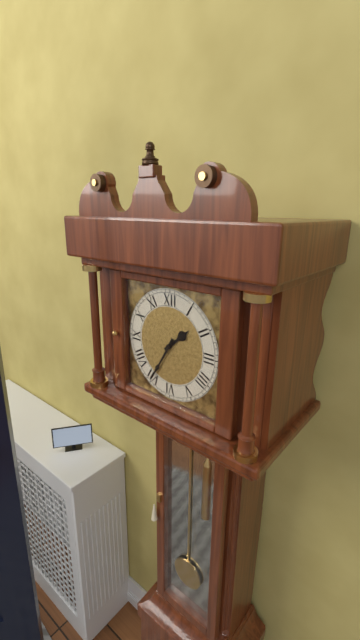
1:35
